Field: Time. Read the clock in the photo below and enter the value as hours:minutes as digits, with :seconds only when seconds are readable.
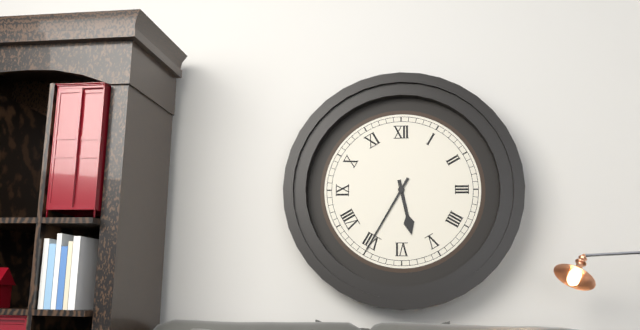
5:35
